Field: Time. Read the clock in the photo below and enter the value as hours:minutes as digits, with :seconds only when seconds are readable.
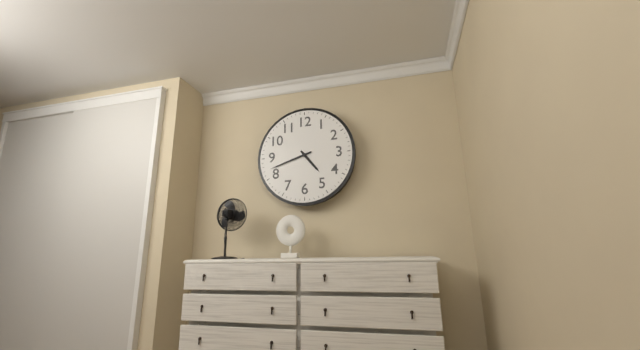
4:42
